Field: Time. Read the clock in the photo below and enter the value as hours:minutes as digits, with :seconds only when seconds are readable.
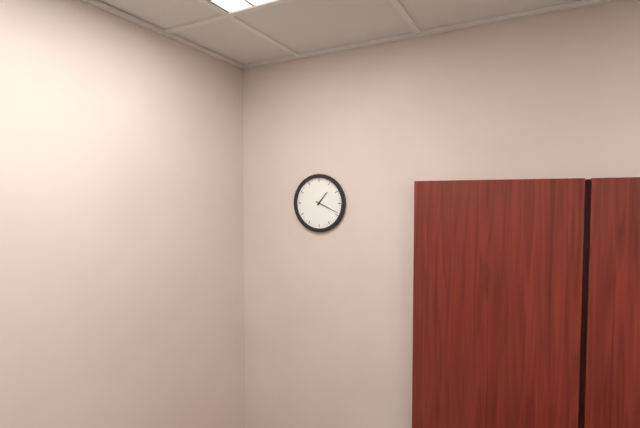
1:19
